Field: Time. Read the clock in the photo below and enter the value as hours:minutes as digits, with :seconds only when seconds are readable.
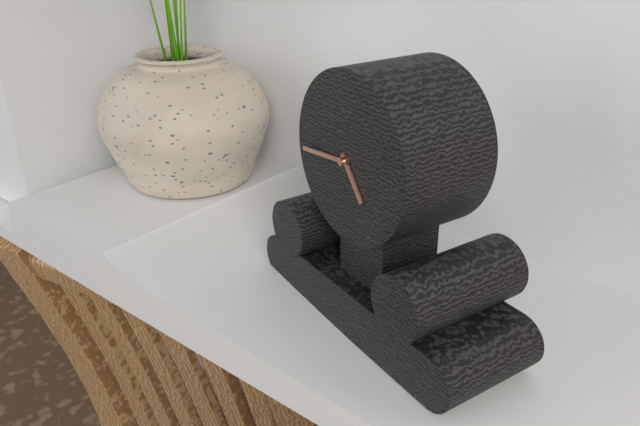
4:44
